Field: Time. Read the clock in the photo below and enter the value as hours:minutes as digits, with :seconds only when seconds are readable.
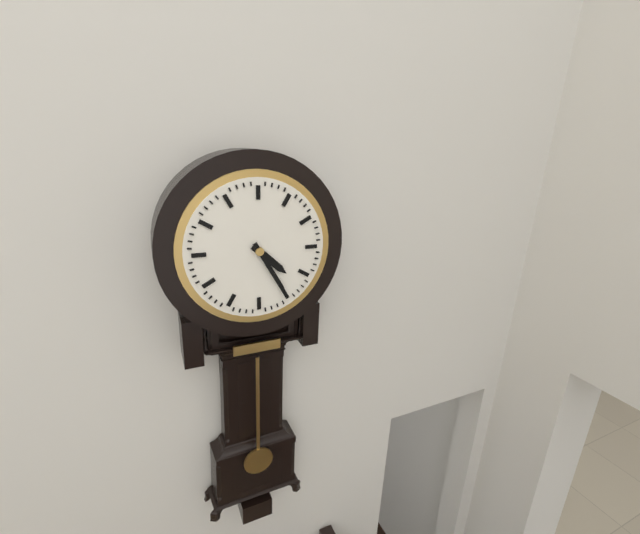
4:25
